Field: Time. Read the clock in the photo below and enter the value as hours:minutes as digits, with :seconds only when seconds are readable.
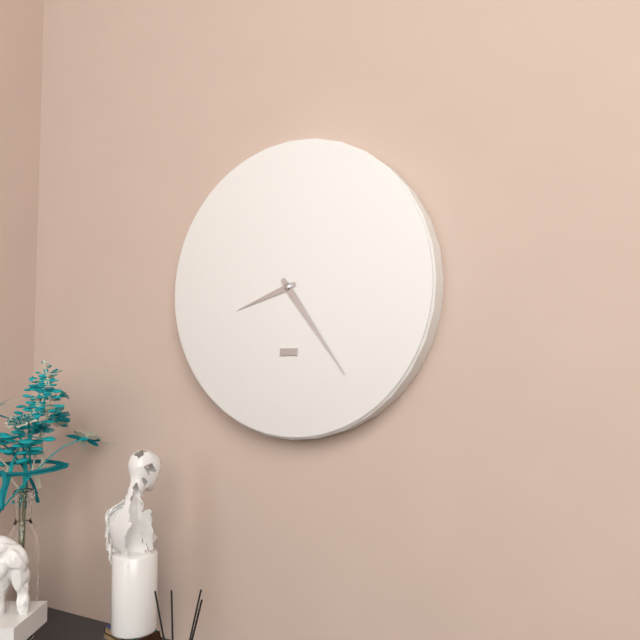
8:24
